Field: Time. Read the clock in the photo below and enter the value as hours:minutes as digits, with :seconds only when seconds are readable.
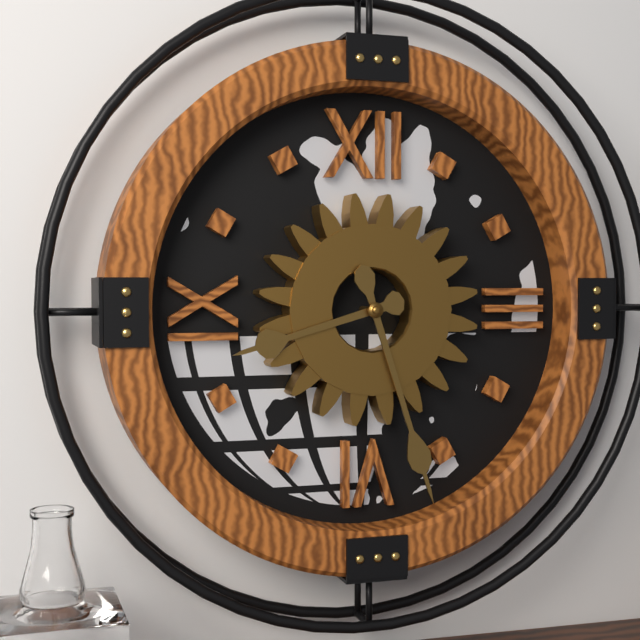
8:27
